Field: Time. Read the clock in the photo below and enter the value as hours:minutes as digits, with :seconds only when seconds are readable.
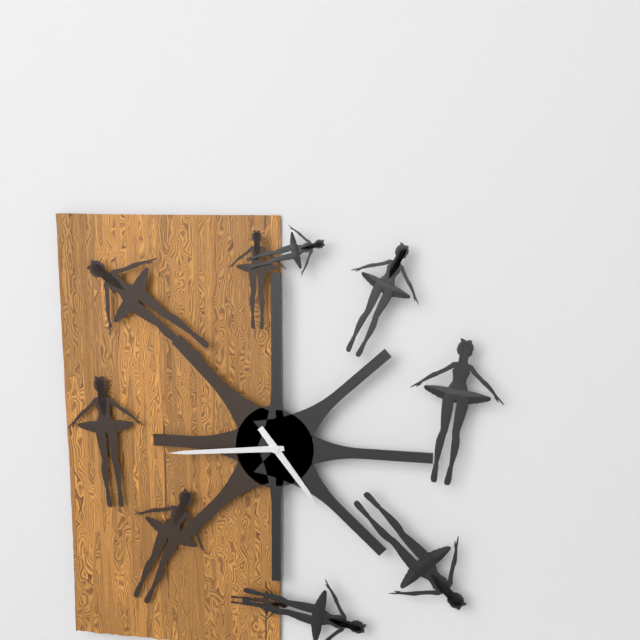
4:44
